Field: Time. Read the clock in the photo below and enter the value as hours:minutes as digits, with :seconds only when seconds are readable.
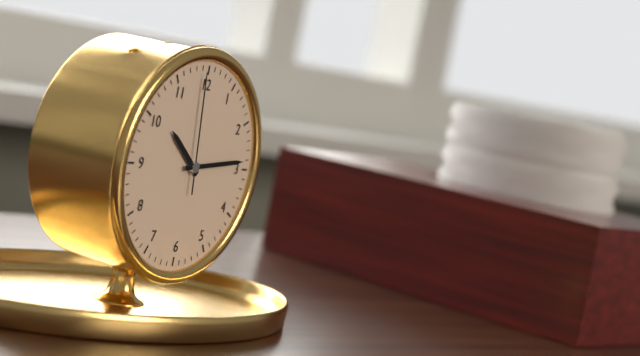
10:14:59
